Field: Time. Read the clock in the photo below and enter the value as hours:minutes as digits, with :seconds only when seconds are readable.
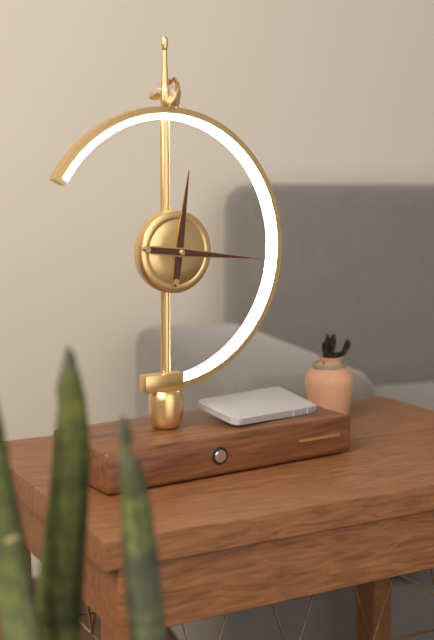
12:16
